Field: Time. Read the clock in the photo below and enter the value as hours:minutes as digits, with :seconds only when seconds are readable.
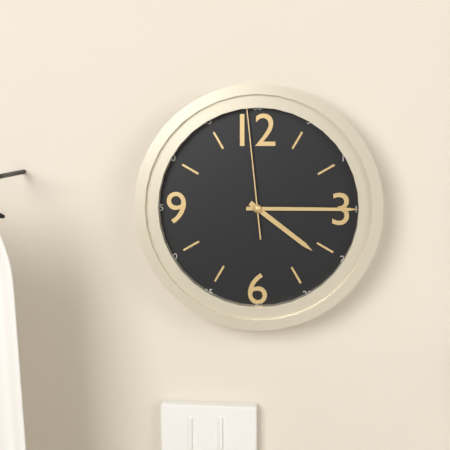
4:15:59
